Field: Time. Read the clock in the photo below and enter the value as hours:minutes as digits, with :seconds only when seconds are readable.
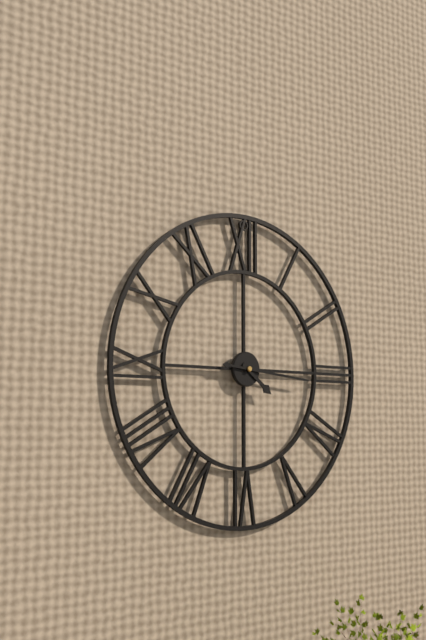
4:16
